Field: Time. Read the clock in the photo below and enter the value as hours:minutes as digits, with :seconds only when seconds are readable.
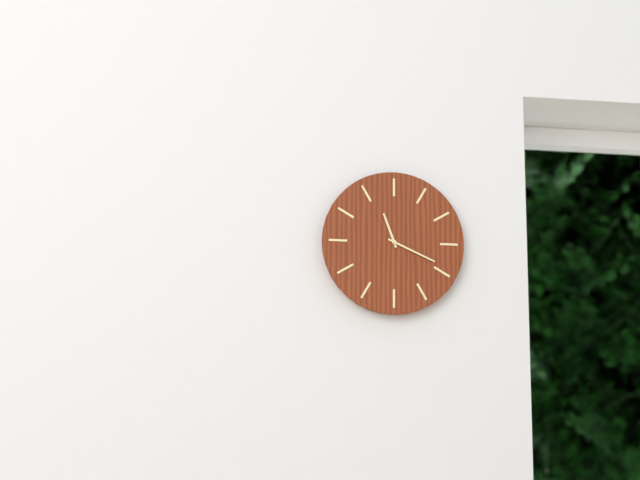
11:19
